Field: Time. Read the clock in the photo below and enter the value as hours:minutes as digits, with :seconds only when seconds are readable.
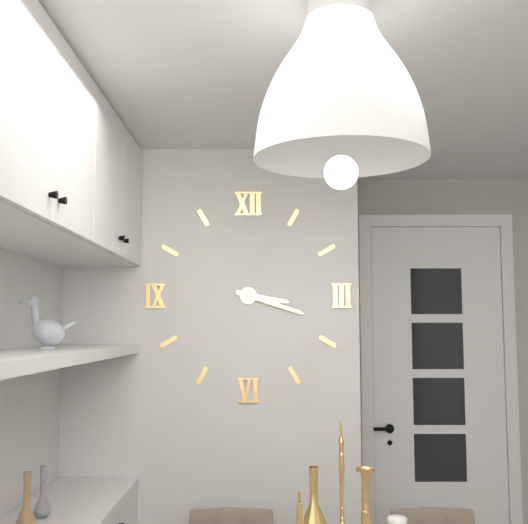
3:18
